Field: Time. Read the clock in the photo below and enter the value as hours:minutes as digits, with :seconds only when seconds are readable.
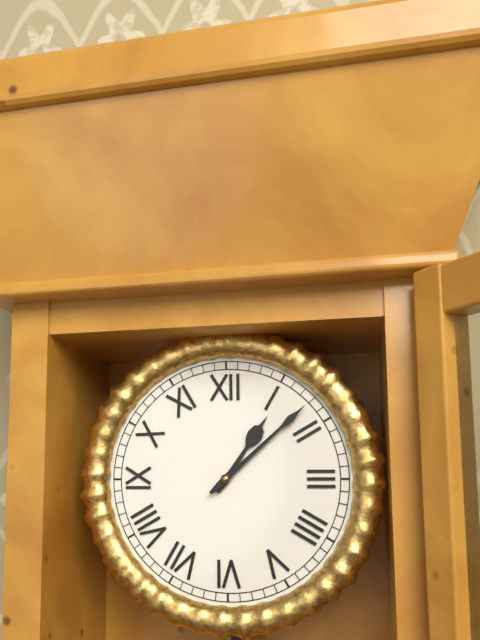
1:08
